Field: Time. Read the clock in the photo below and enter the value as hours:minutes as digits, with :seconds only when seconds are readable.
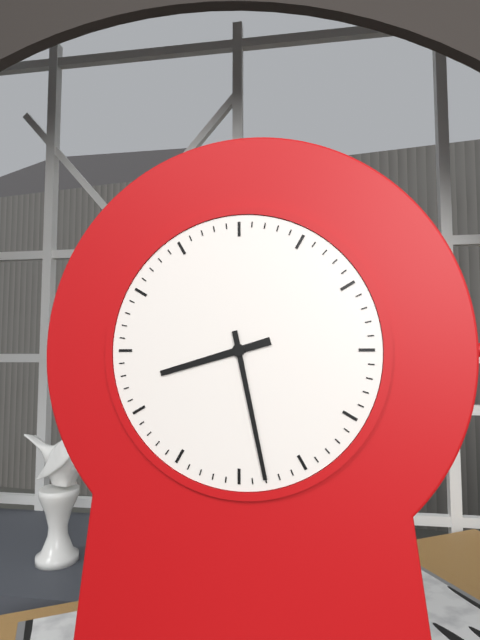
8:28
